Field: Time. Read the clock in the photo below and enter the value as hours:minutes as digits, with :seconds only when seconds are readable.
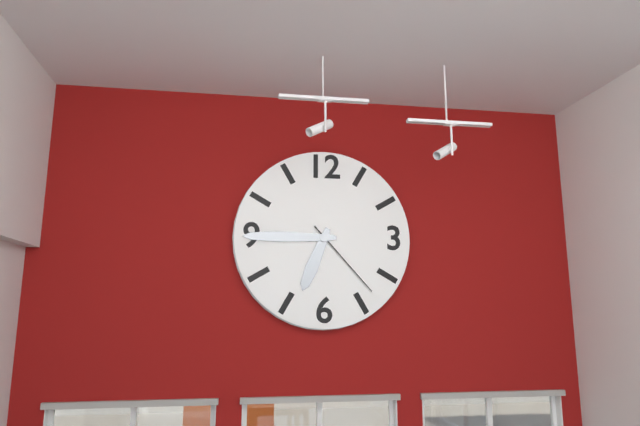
6:45:23
